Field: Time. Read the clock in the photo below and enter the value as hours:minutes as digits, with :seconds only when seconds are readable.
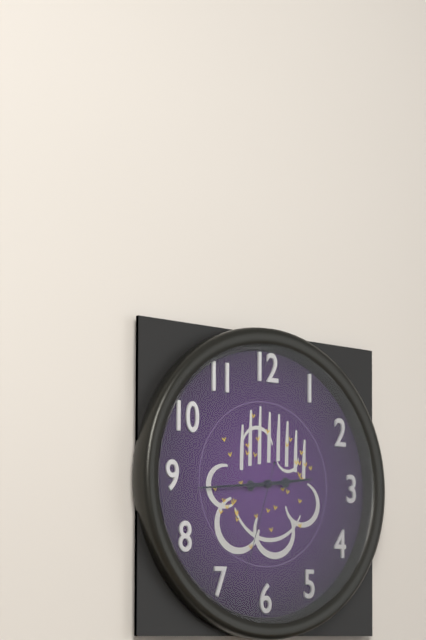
2:44:33
